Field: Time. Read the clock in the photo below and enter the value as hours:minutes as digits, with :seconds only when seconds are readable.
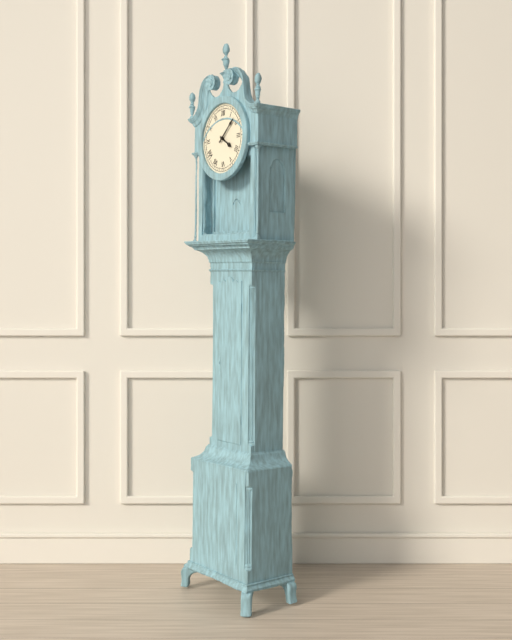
4:08
